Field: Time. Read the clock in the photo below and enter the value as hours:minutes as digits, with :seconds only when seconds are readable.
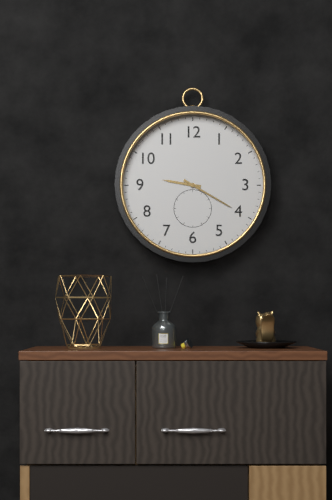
9:20
